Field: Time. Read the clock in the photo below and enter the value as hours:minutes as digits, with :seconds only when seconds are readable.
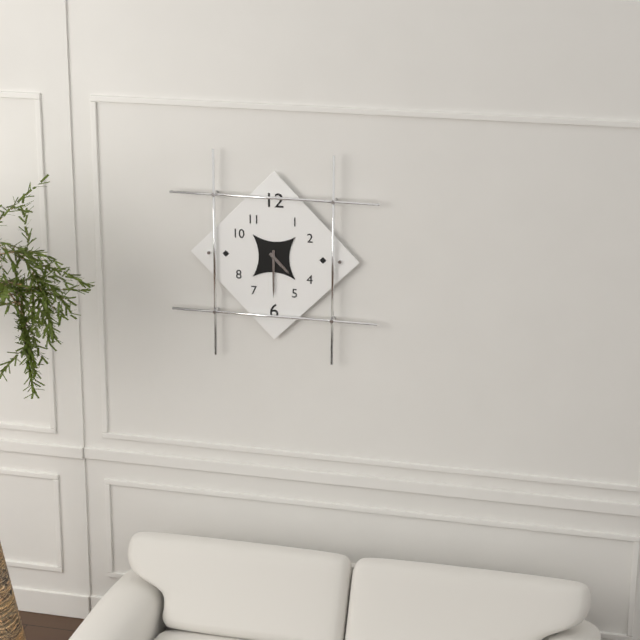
4:30
